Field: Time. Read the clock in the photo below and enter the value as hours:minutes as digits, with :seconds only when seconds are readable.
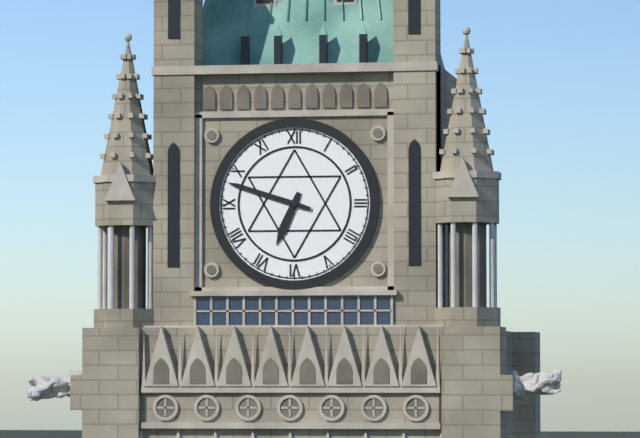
6:48
